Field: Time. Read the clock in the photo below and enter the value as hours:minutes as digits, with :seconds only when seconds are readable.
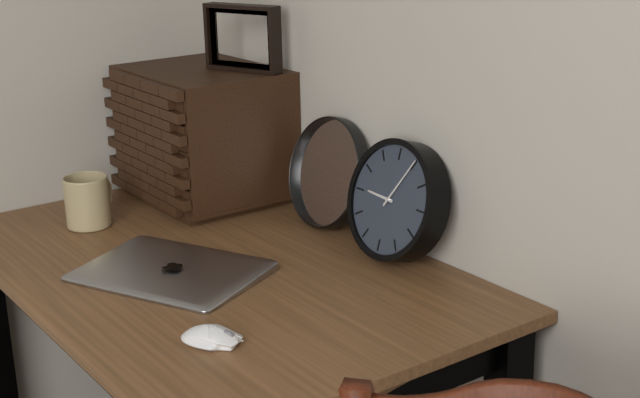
9:05
